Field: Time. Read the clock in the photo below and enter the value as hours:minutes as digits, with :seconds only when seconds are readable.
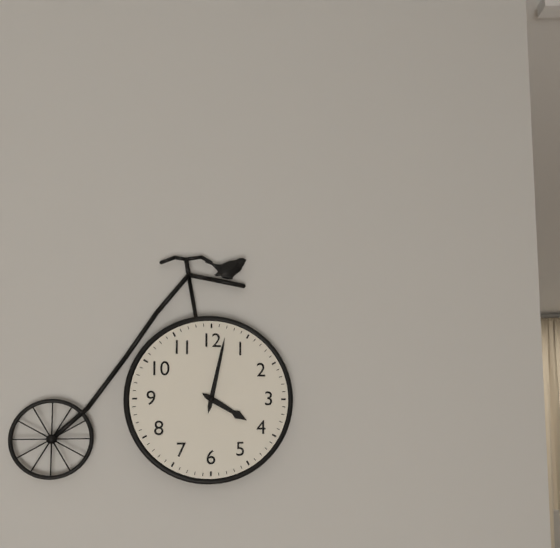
4:02
